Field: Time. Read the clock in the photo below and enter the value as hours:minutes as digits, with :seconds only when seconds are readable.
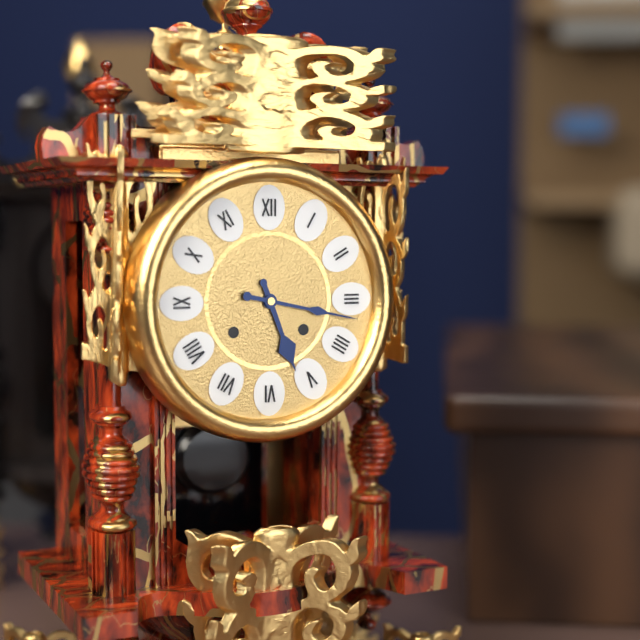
5:17
